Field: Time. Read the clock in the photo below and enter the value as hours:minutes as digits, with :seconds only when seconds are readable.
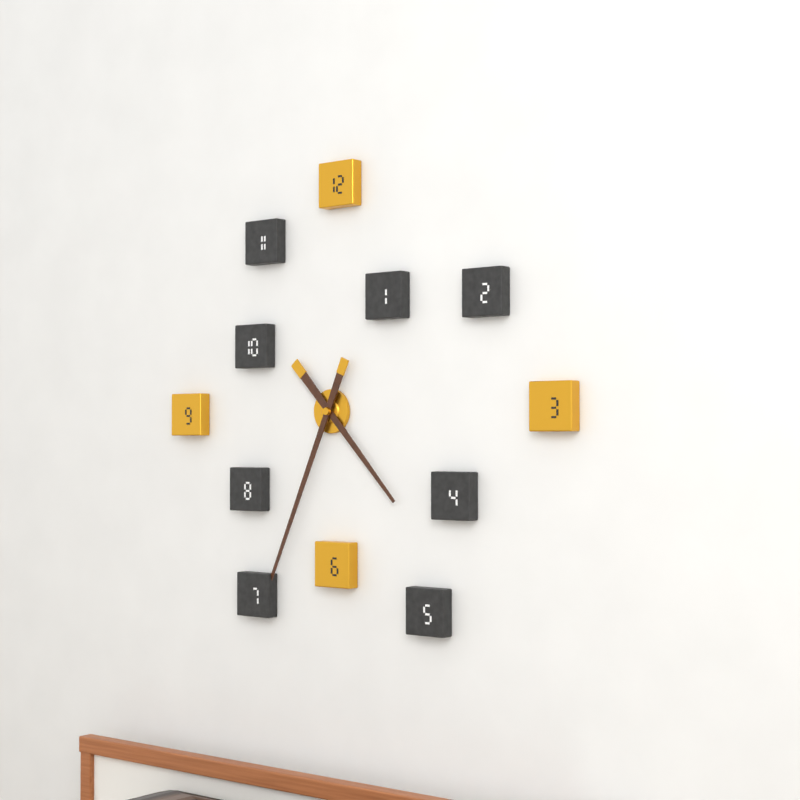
4:34
